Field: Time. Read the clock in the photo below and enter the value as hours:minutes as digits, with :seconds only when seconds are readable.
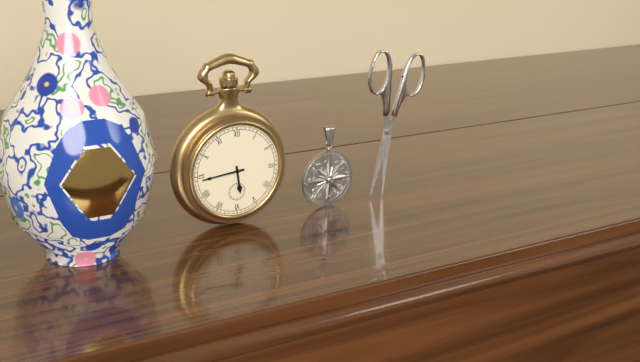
5:44
